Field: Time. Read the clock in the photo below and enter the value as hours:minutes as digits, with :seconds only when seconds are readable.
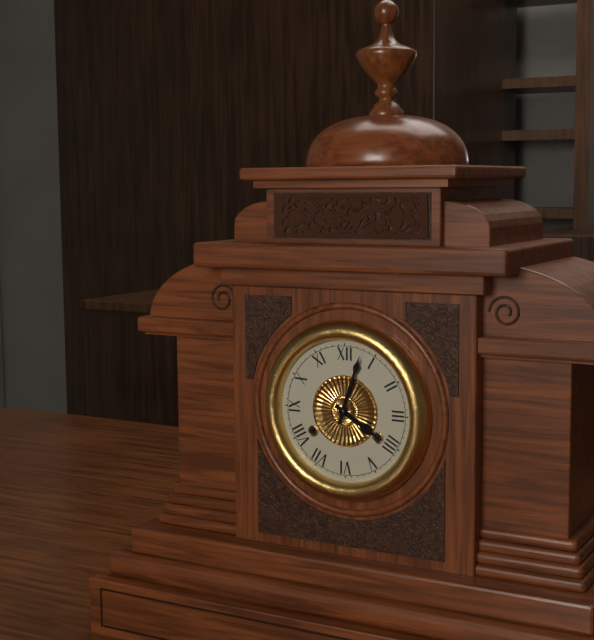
4:03
